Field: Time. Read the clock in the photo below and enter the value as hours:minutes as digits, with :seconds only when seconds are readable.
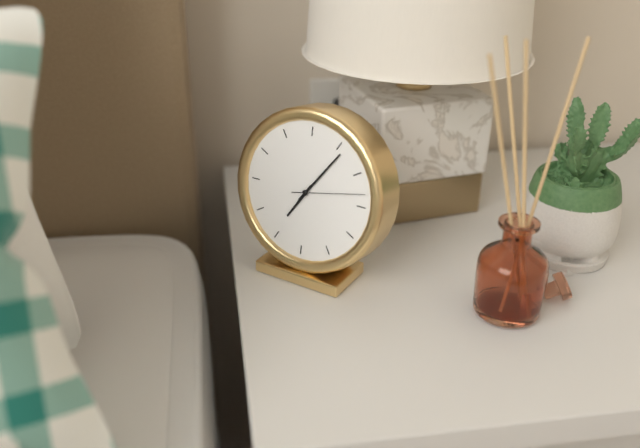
7:06:13
